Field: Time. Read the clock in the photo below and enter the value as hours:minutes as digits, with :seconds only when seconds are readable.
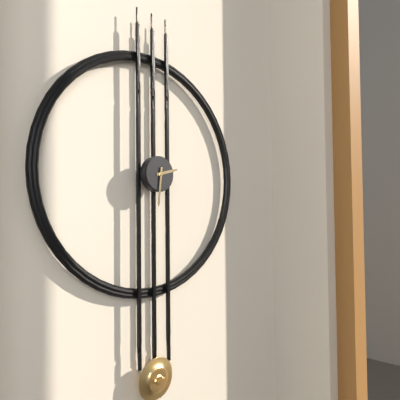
2:31
